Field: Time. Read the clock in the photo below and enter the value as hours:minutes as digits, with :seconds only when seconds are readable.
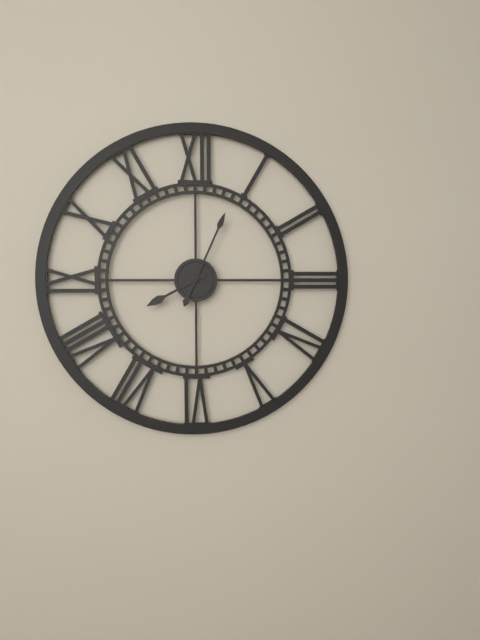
8:04
